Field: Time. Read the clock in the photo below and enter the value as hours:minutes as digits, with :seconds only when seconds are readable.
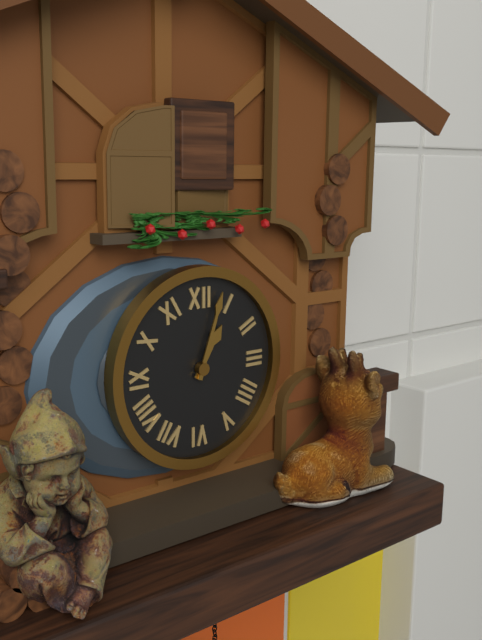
1:03
